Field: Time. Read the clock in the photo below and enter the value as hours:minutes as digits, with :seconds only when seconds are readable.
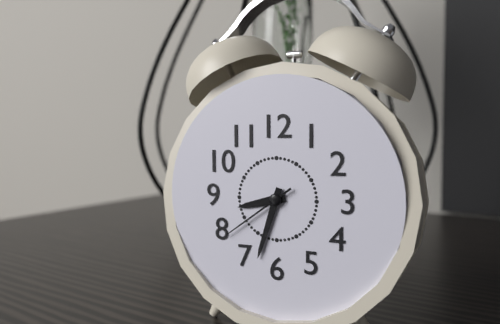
8:33:39
